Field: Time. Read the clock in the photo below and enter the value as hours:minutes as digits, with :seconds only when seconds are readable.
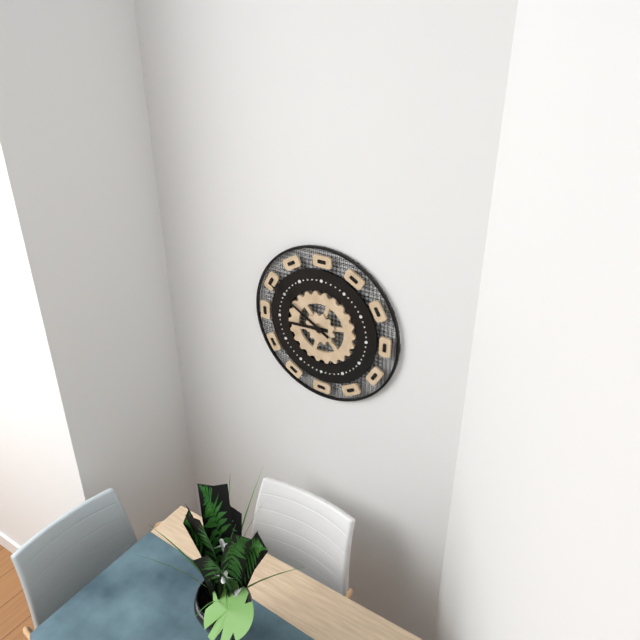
8:50
